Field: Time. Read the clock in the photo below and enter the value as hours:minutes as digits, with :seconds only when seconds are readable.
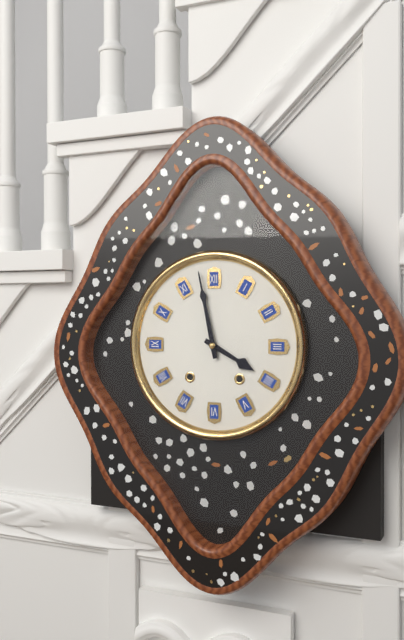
3:58
